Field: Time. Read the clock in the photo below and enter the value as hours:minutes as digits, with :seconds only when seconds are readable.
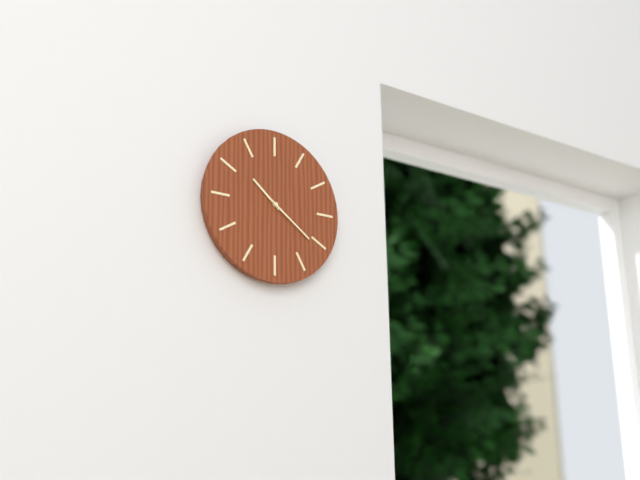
10:21
